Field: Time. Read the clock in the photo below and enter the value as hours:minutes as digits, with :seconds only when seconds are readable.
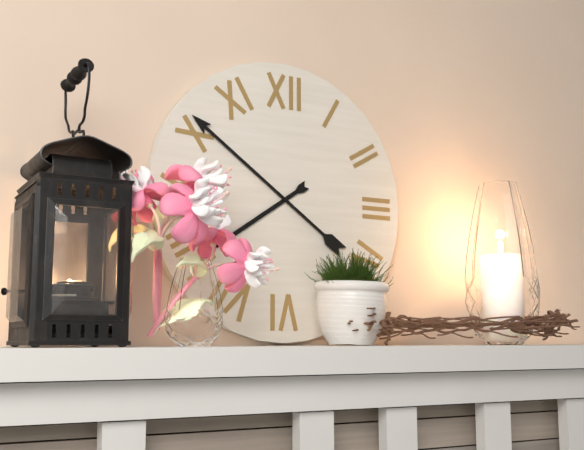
7:51
